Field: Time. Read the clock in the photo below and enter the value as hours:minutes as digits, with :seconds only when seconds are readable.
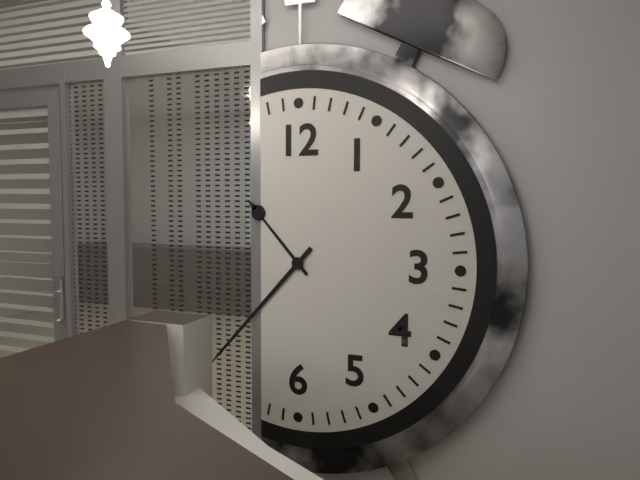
10:37
